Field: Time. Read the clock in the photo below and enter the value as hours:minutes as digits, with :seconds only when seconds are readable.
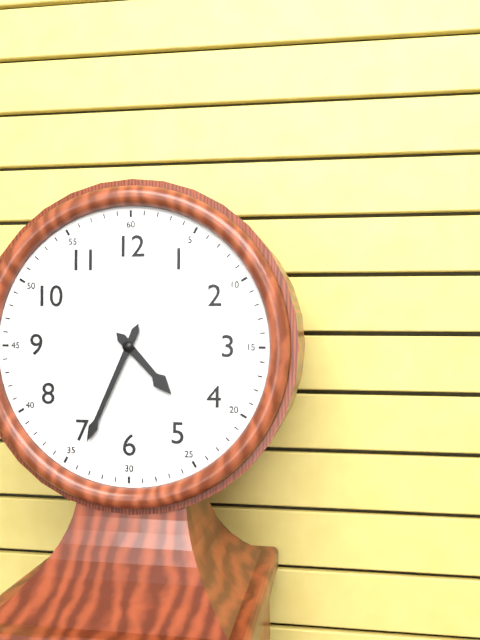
4:34
